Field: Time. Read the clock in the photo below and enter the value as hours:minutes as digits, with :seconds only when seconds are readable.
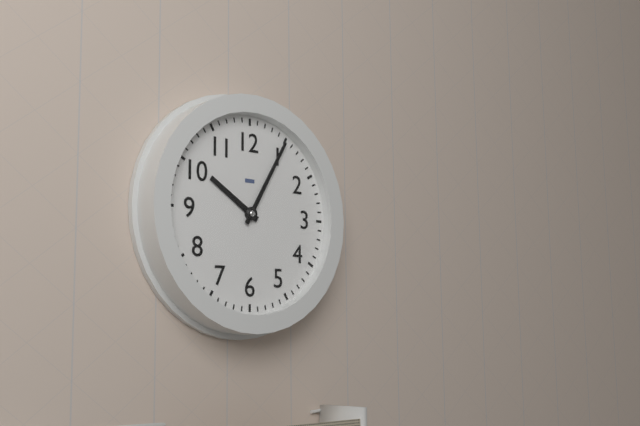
10:05
